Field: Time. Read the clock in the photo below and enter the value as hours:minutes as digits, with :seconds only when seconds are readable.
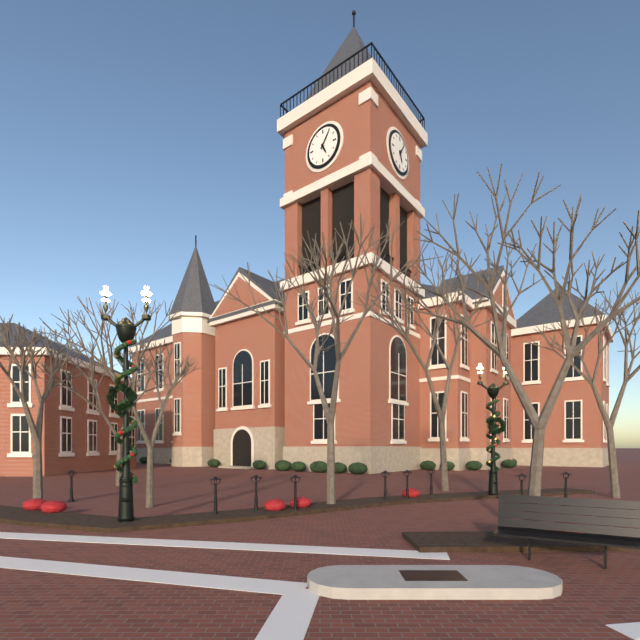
5:06
